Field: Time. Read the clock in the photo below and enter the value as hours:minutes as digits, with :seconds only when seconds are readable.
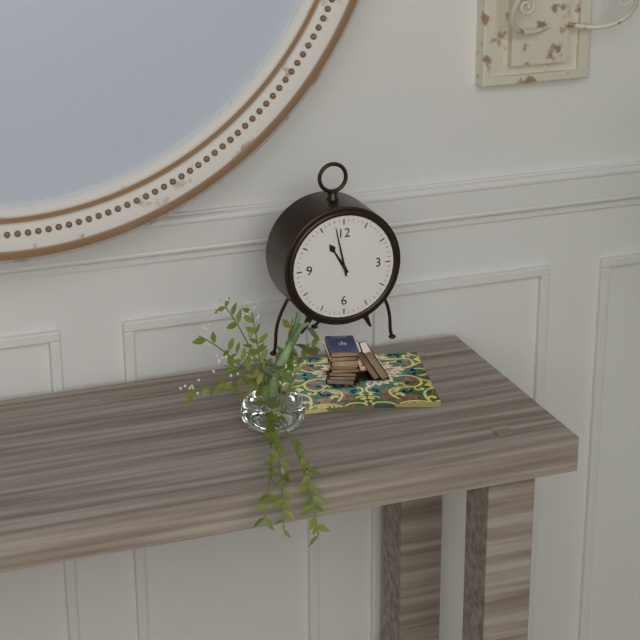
10:58
